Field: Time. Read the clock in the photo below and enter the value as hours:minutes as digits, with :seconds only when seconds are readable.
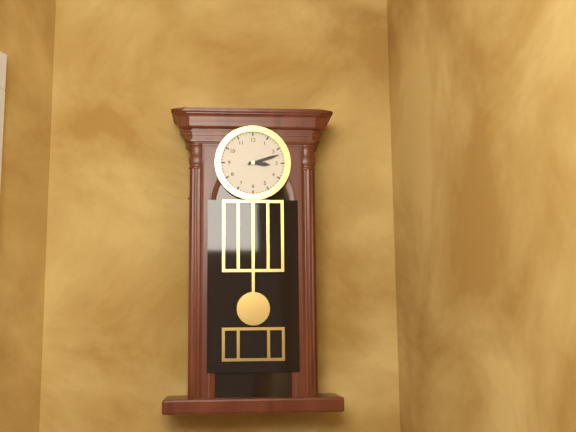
3:12
